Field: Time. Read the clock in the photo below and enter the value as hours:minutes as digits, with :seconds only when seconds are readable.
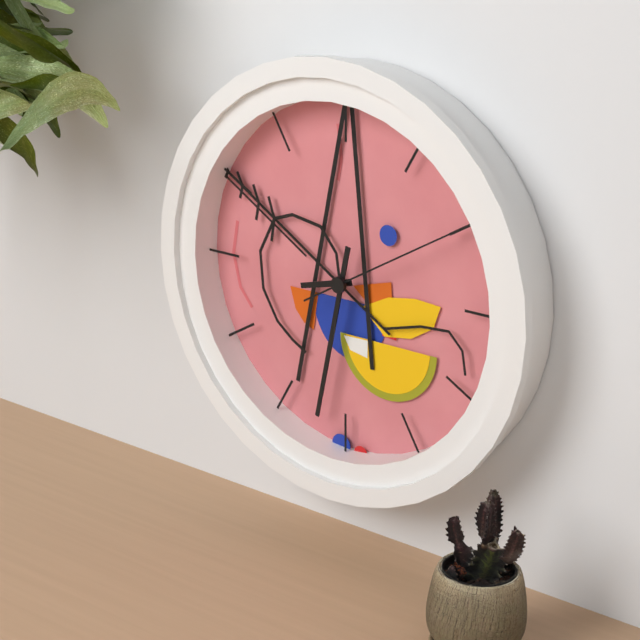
8:32:10
